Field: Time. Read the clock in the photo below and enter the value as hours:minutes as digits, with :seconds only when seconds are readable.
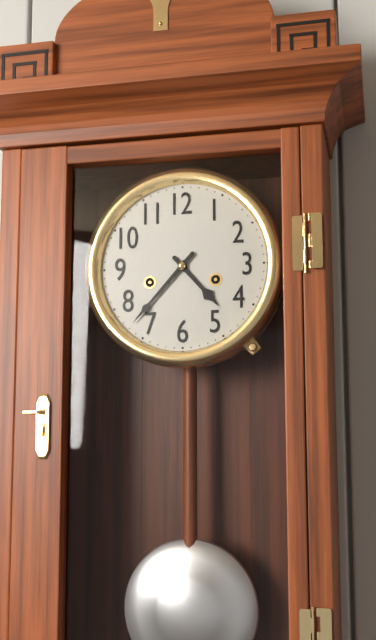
4:37
